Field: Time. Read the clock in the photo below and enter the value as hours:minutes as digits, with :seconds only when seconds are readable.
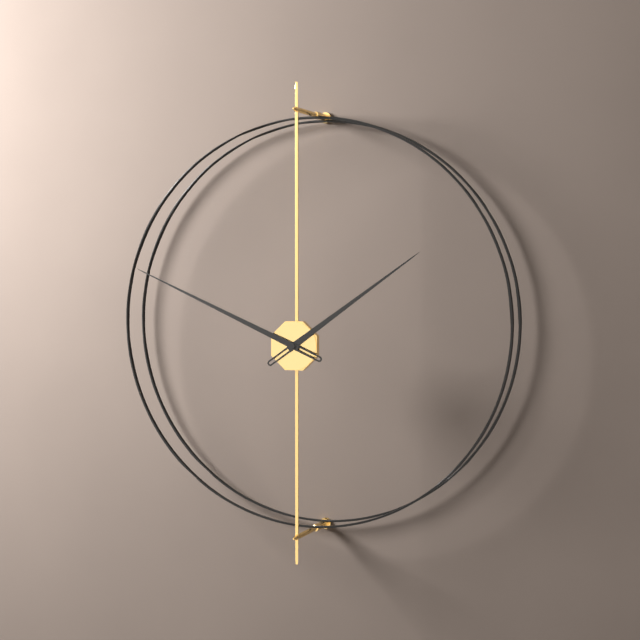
1:49
